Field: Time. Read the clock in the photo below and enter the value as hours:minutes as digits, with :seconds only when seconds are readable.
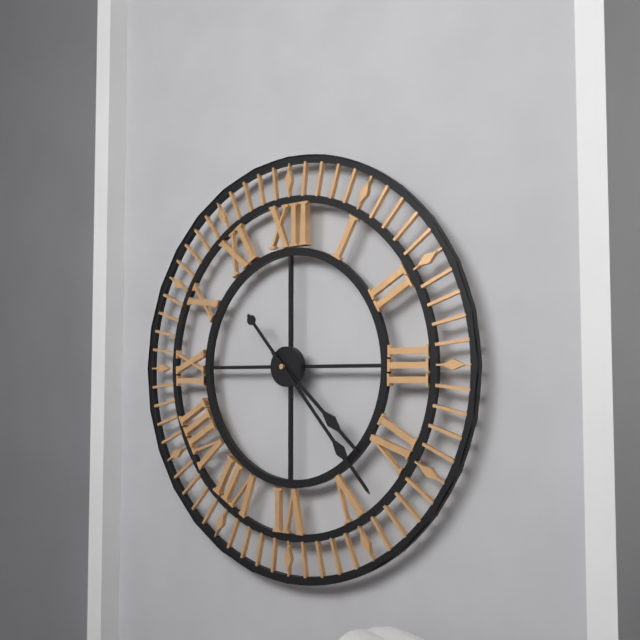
4:23
